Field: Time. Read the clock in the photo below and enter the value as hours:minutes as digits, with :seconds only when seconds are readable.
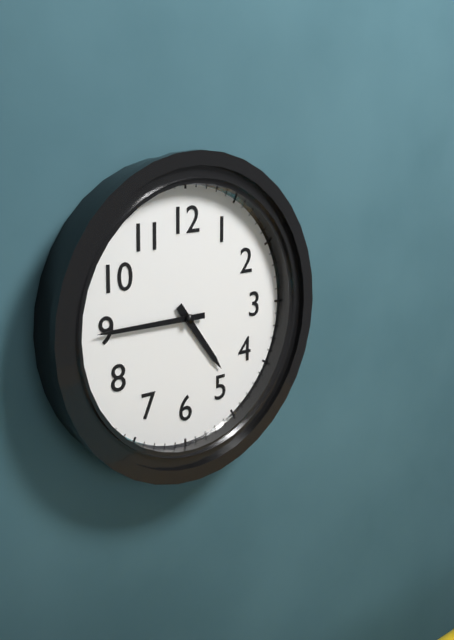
4:45
